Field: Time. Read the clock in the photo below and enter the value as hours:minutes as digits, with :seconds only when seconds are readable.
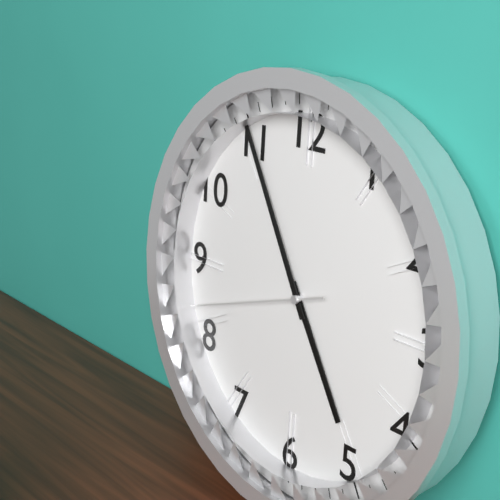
4:55:42
